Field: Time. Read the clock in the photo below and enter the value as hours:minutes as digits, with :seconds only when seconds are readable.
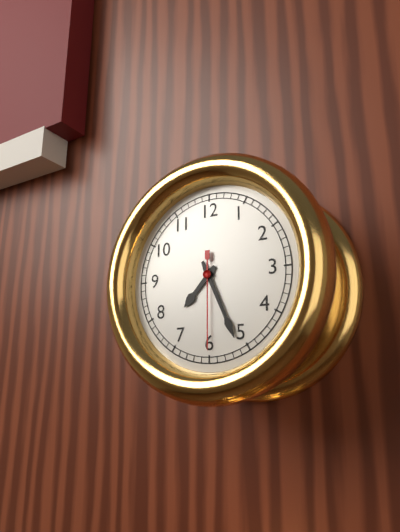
7:26:30
